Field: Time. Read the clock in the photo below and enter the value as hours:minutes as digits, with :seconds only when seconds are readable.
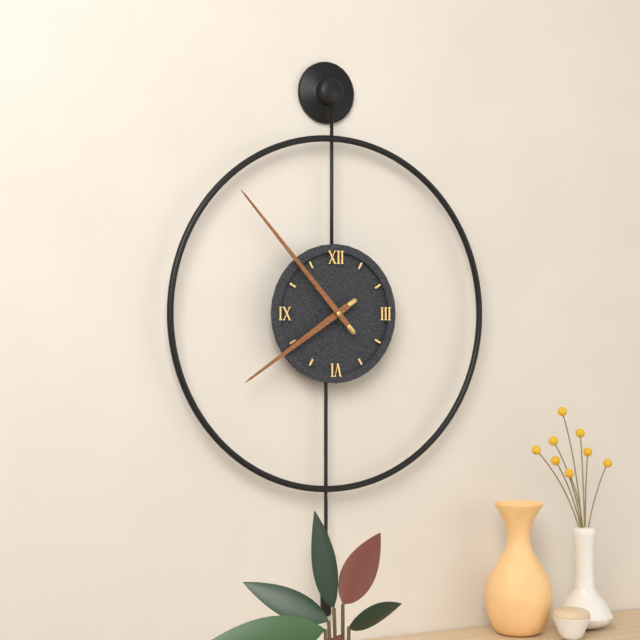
7:53
